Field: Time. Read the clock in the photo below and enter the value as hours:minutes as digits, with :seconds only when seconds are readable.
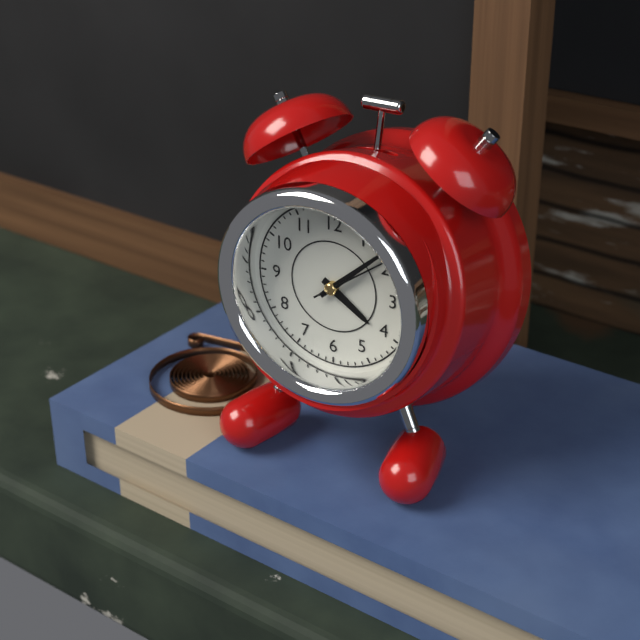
4:08:09
